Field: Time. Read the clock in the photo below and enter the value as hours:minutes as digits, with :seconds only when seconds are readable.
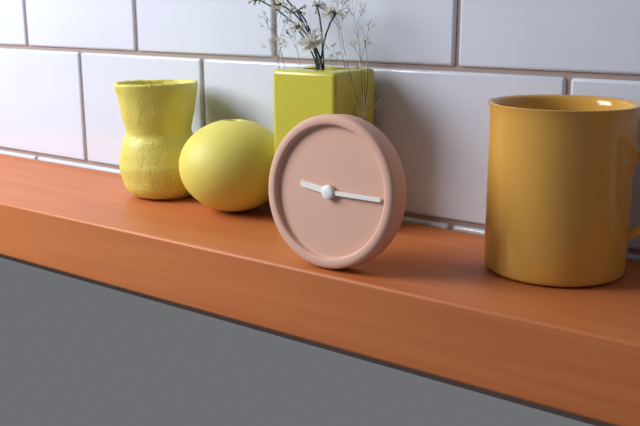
9:15
